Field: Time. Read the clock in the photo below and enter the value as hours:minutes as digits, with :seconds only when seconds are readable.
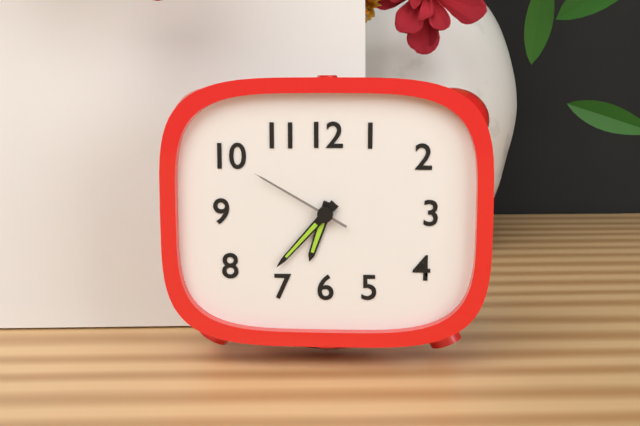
6:37:50
